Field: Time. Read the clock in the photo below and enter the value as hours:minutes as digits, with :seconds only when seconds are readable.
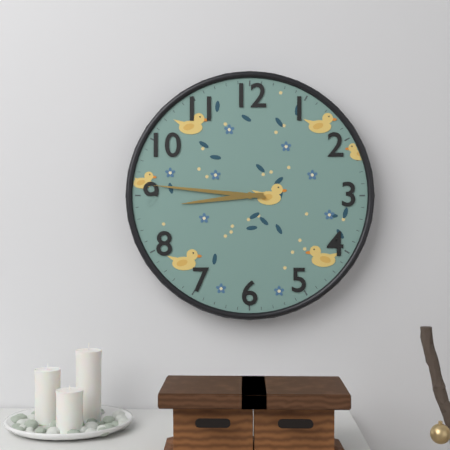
8:46
